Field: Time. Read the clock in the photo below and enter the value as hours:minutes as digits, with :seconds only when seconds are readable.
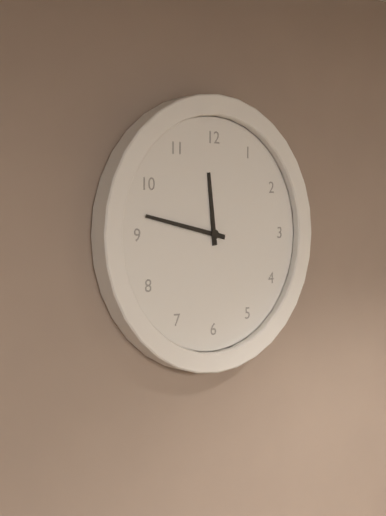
11:47
